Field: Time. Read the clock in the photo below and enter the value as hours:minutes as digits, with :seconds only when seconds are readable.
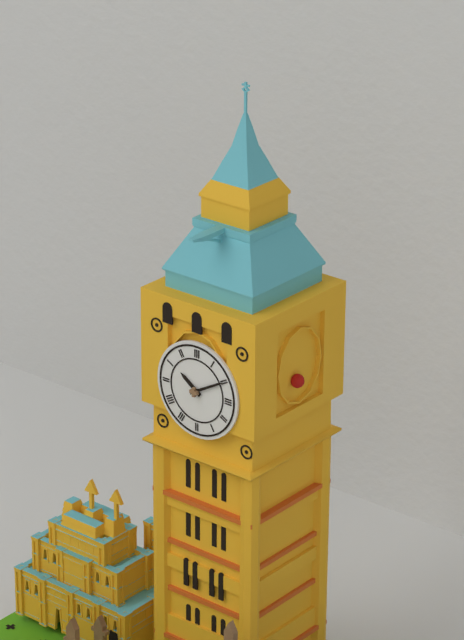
10:10
